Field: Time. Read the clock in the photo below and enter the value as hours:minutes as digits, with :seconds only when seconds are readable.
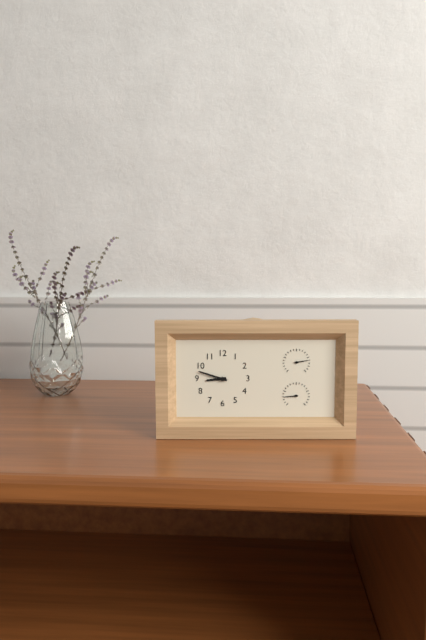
8:48
